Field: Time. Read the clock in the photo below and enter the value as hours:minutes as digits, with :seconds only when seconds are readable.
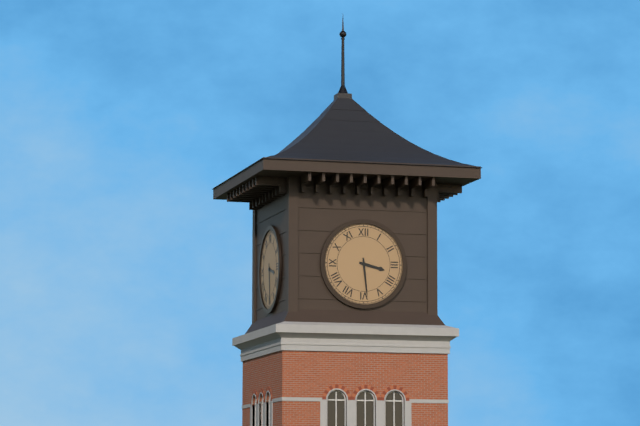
3:29
